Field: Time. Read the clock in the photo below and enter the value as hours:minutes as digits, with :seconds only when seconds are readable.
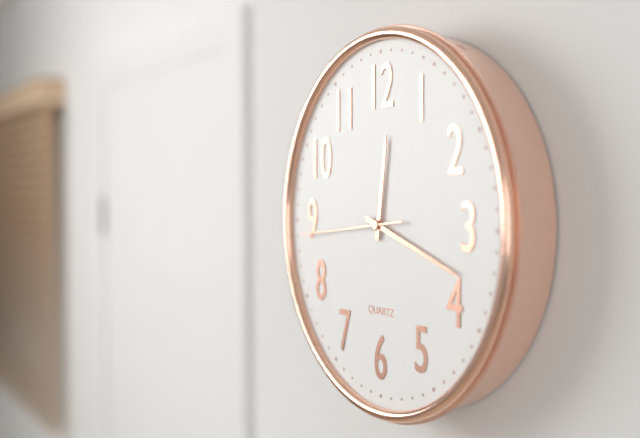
12:18:44
